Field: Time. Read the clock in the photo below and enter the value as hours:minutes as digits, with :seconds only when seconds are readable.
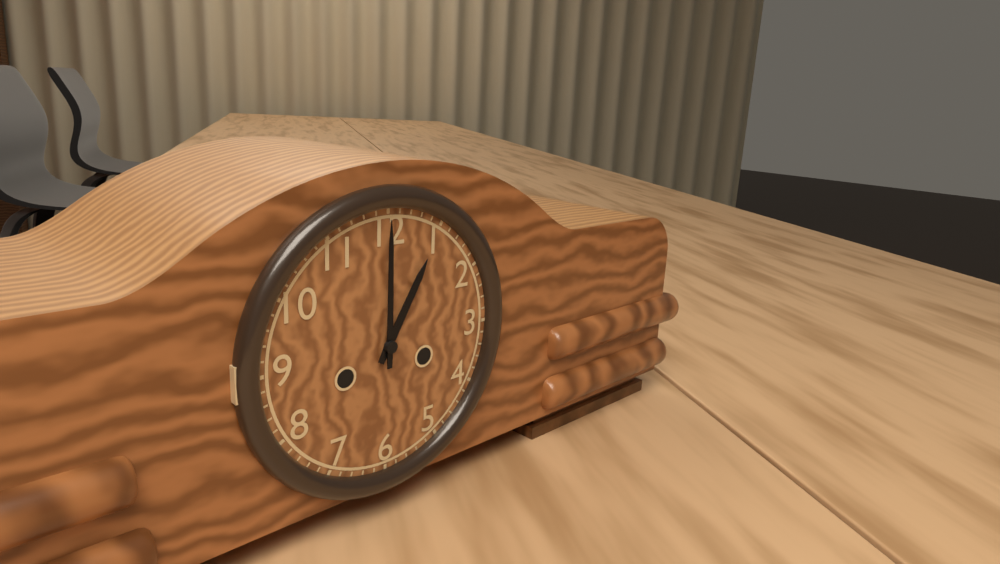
1:00
